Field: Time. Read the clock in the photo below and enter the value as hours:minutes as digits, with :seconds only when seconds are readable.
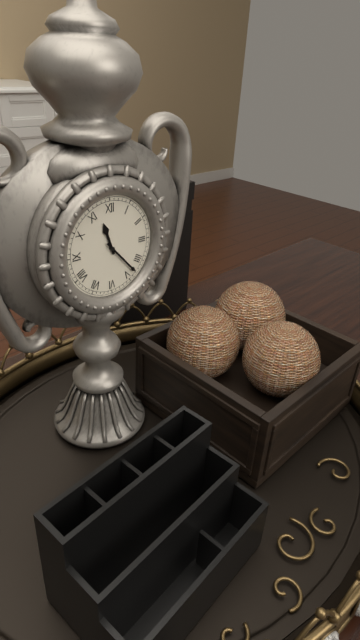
11:23
